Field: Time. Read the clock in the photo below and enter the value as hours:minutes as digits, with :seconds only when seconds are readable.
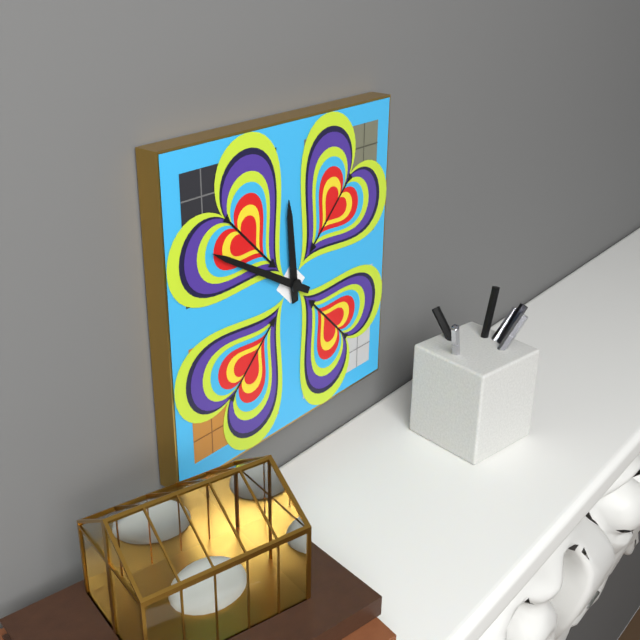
11:50
